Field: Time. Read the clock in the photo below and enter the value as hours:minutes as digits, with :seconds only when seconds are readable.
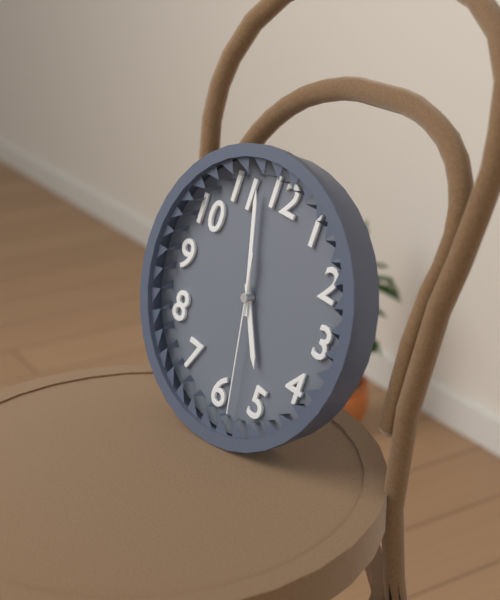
4:57:28
